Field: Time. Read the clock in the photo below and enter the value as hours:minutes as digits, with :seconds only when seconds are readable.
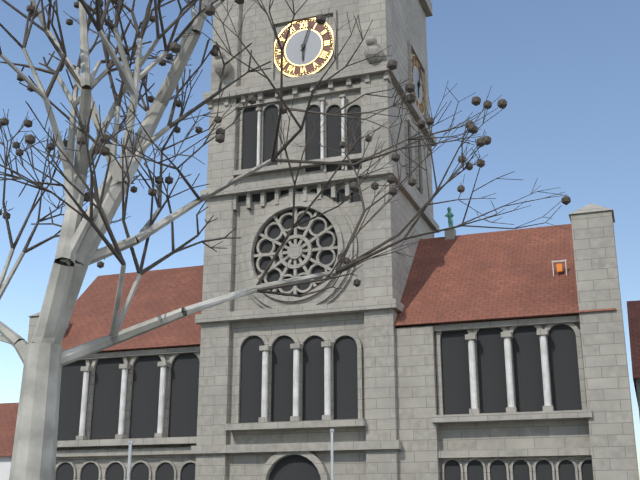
6:03
